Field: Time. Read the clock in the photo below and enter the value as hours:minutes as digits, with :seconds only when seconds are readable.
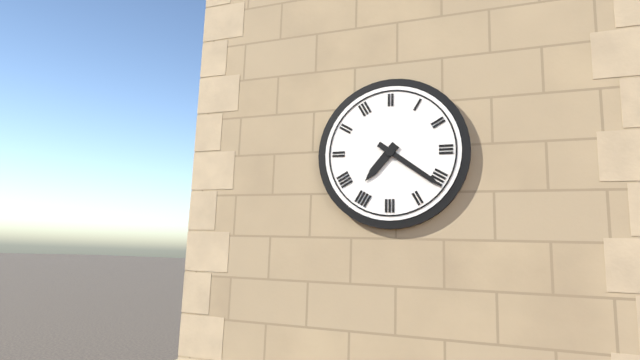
7:21
